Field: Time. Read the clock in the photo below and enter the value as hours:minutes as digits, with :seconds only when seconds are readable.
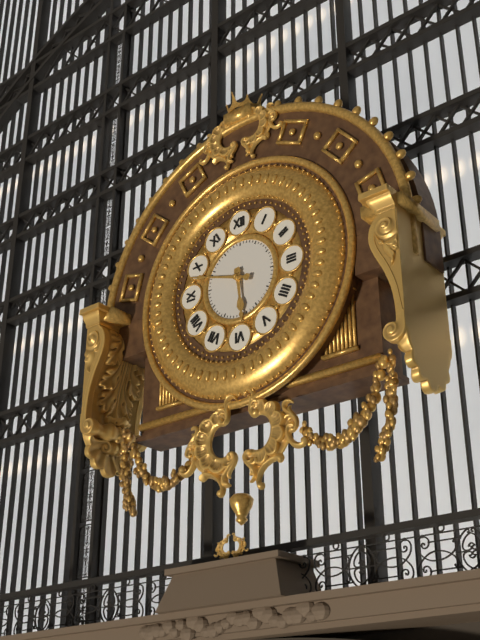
5:48
